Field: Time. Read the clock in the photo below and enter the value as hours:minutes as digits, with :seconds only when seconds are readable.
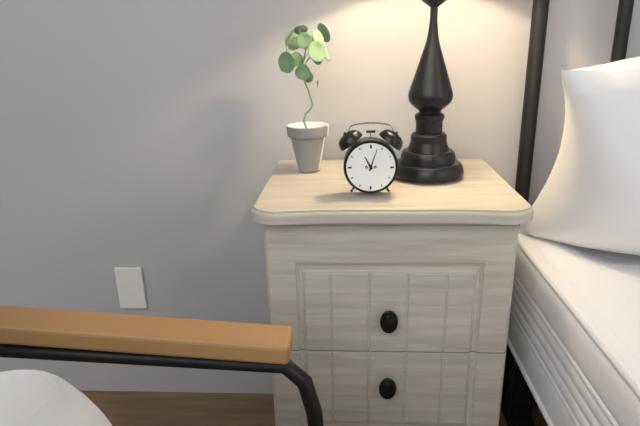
11:03
